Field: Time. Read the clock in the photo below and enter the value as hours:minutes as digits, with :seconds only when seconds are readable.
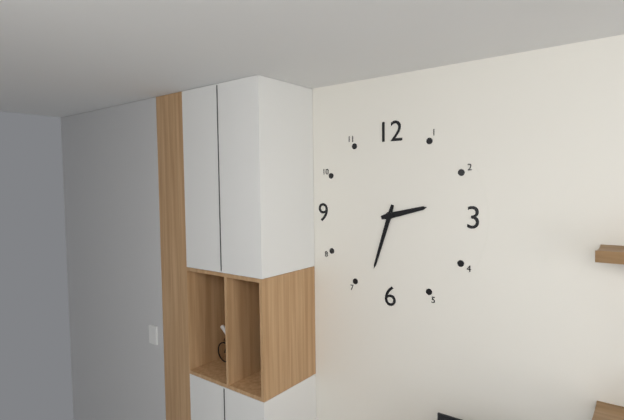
2:33
